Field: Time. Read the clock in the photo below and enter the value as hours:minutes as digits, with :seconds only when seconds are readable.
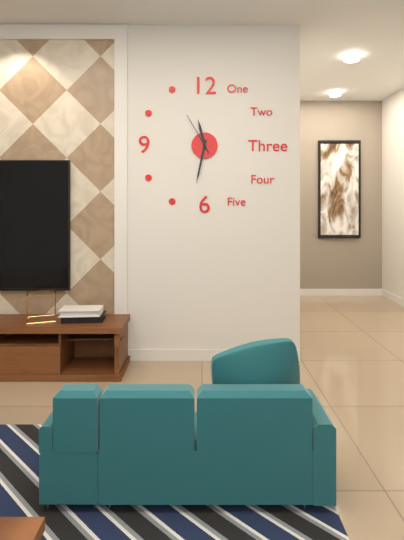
11:32
